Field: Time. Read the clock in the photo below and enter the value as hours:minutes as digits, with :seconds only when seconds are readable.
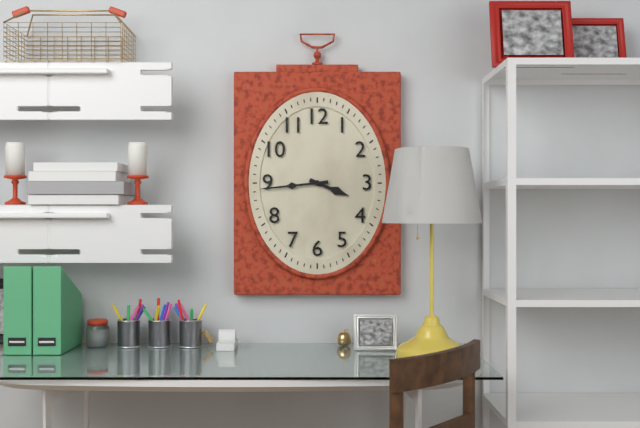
3:44
